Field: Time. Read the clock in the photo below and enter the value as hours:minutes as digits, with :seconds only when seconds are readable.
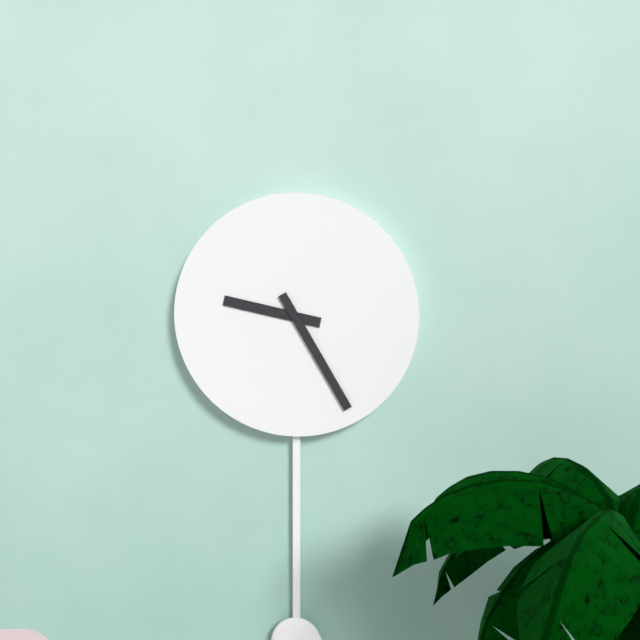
9:25
